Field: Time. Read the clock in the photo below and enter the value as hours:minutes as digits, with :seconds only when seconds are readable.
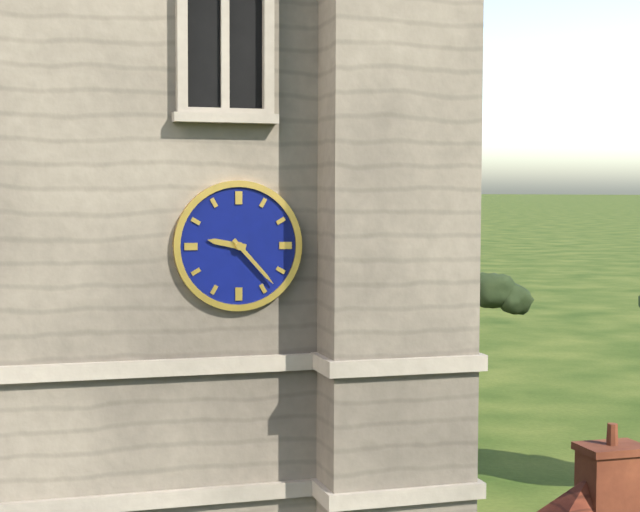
9:23
